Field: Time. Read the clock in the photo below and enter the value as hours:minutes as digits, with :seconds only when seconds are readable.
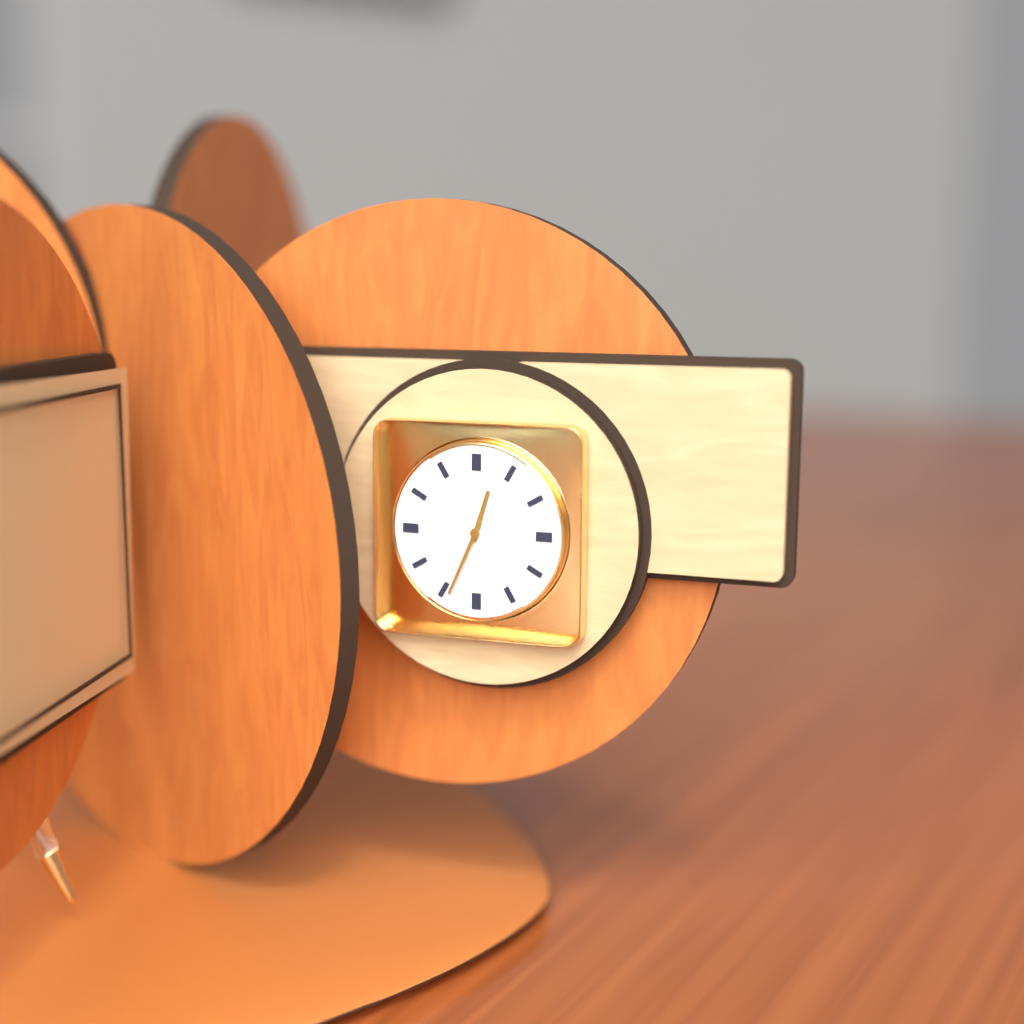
12:34
